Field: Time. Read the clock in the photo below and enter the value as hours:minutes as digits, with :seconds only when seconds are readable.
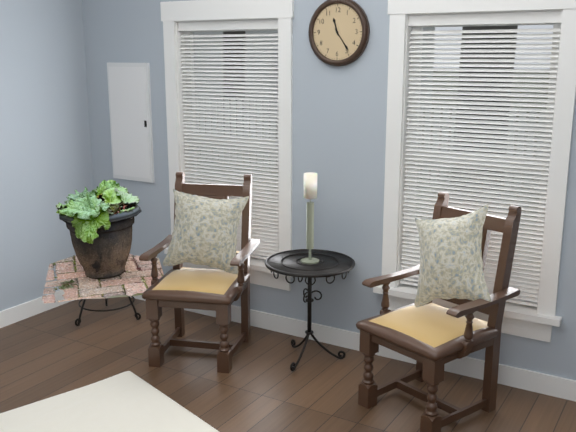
11:24
